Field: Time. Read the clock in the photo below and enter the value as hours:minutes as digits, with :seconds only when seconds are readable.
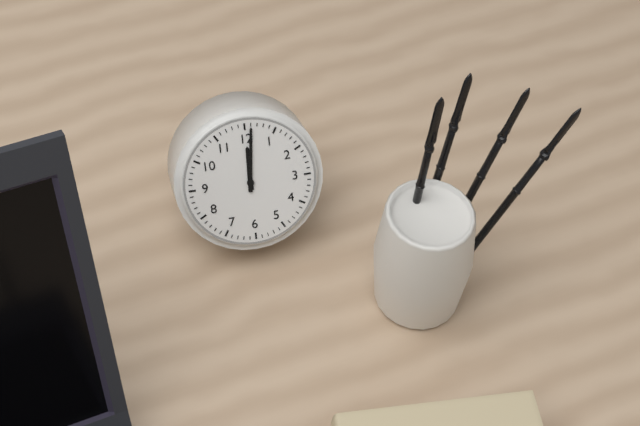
12:01
